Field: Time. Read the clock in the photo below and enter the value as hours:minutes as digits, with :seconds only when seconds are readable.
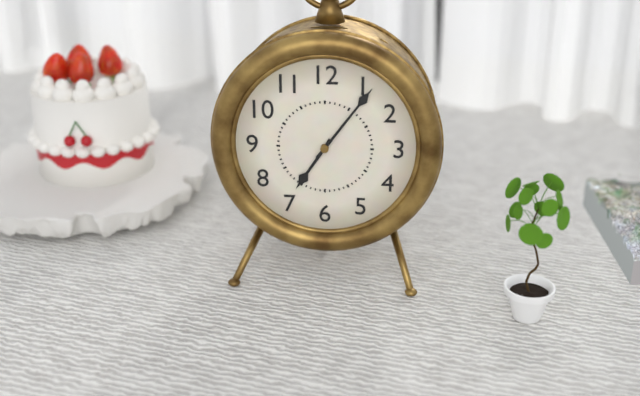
7:06
